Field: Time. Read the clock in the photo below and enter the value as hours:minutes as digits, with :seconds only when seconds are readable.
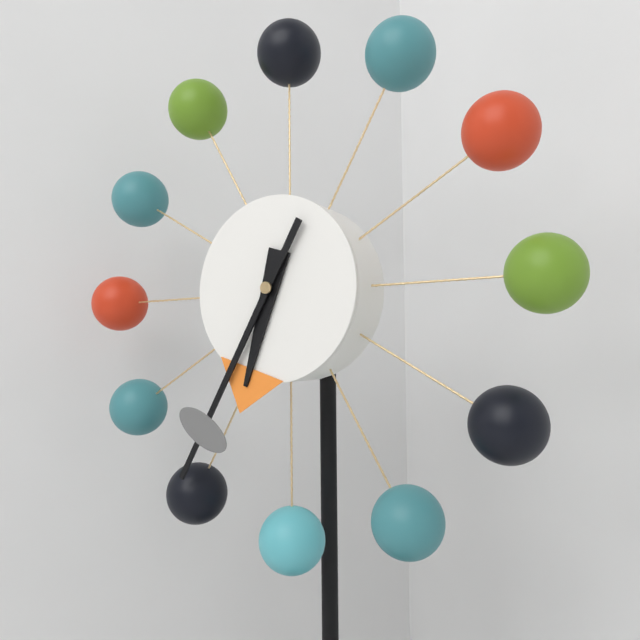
6:35
